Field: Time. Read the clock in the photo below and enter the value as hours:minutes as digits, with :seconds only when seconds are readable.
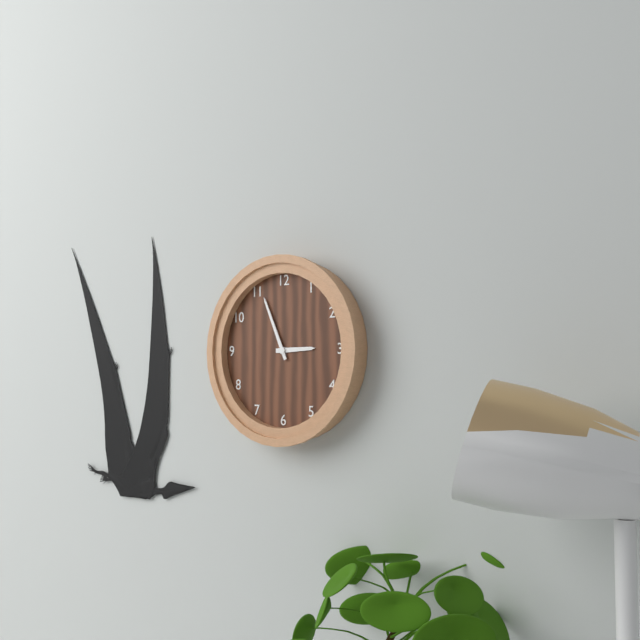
2:56
